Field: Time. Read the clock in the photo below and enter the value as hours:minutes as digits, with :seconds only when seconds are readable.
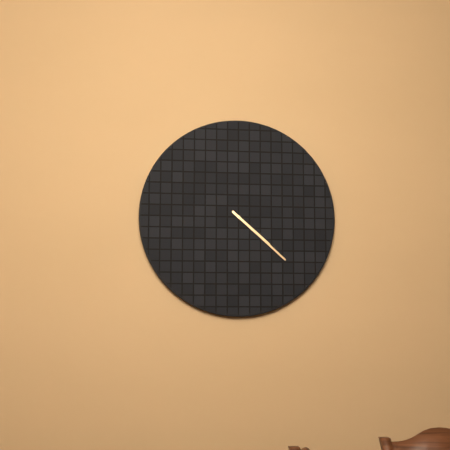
4:22
